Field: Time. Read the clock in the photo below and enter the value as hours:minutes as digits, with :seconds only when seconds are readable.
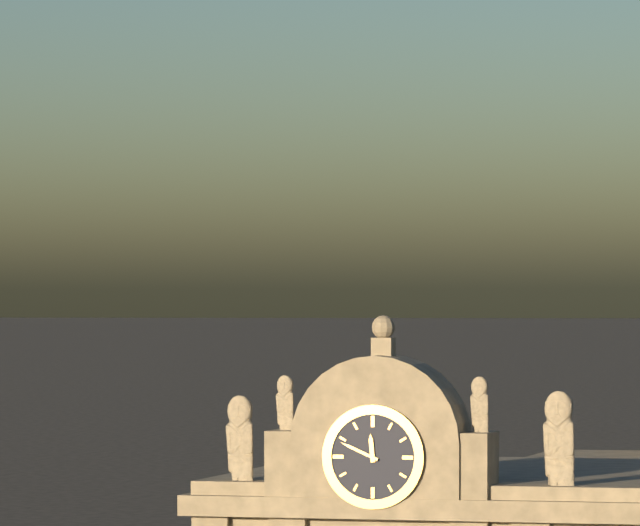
11:49
